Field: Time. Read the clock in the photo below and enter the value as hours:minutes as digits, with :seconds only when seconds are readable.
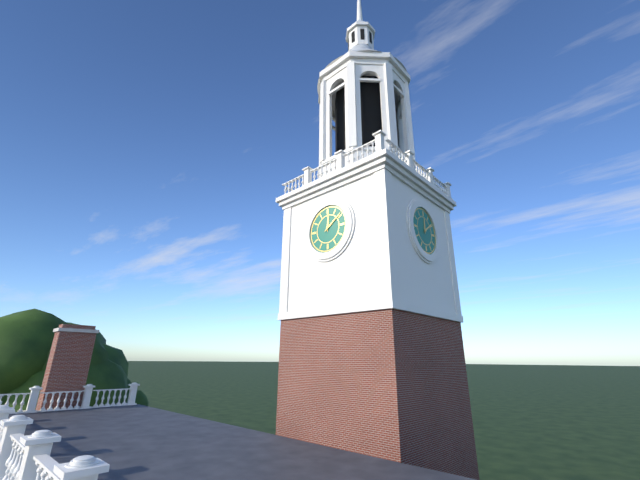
12:09
